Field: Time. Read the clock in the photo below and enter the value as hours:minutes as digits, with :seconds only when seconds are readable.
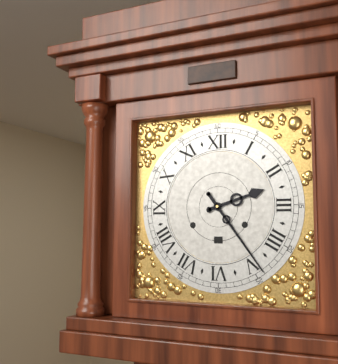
2:24
